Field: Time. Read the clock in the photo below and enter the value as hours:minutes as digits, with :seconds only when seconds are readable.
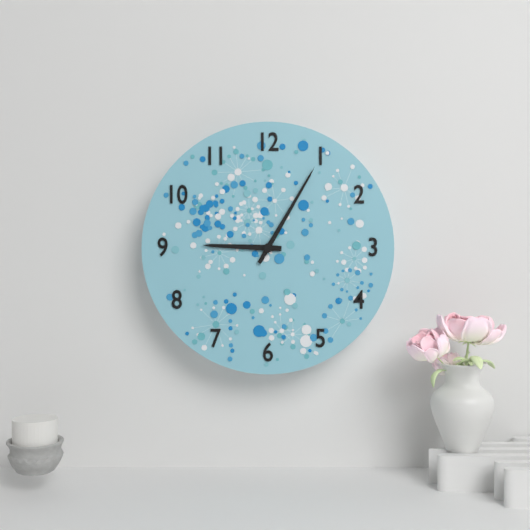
9:05
